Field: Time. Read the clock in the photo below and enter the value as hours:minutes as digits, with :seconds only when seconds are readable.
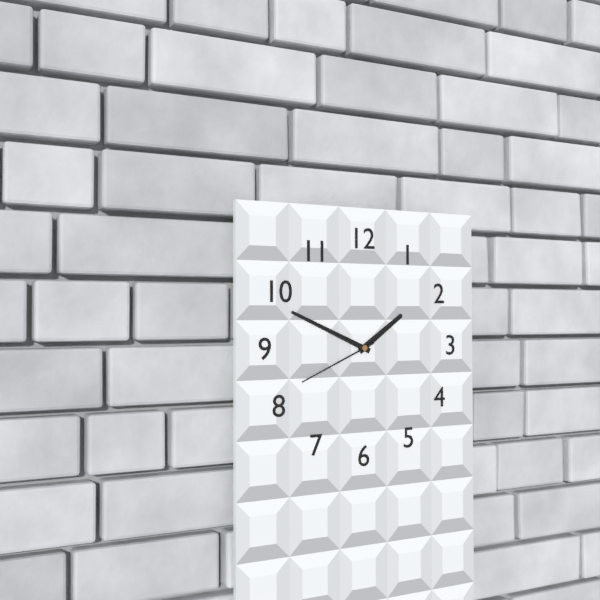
1:49:41
